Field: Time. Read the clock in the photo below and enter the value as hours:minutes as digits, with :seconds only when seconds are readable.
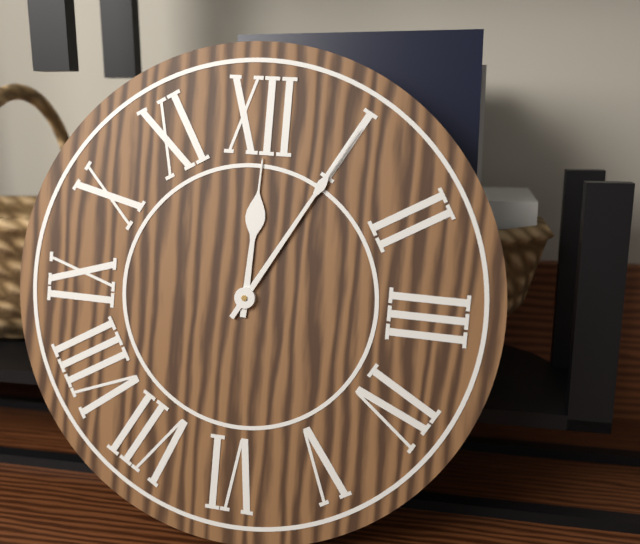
12:05
